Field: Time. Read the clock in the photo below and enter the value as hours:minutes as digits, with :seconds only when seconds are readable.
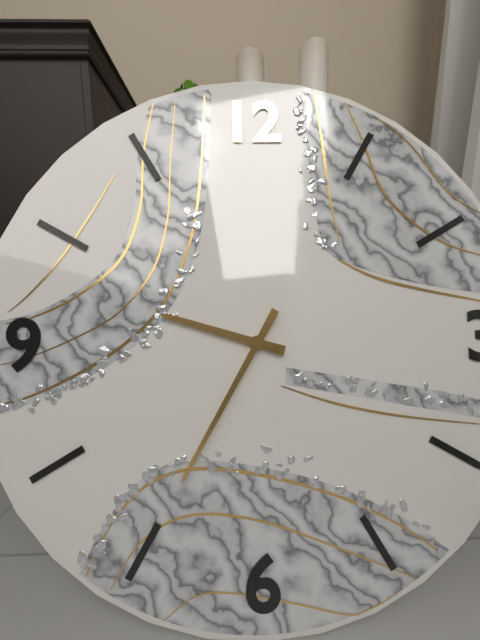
9:35
